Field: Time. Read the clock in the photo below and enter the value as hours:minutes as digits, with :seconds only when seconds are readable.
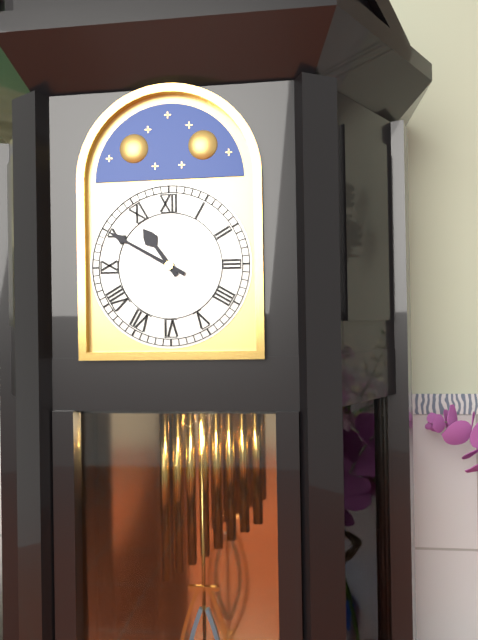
10:50
